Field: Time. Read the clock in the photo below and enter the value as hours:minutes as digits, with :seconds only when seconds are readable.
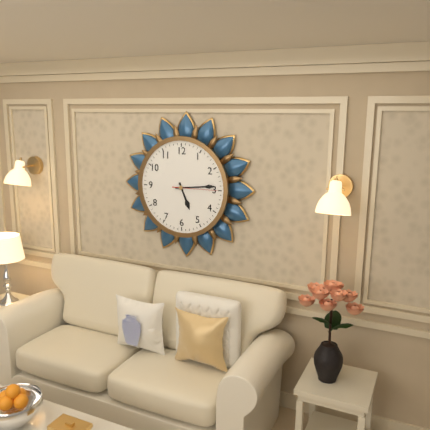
5:14
